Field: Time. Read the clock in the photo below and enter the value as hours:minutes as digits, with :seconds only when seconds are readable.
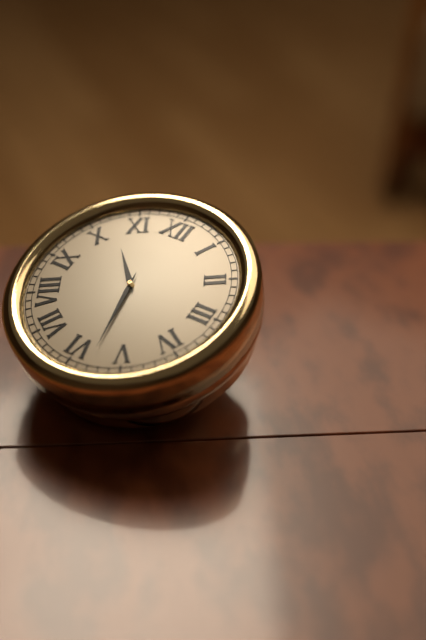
10:28
